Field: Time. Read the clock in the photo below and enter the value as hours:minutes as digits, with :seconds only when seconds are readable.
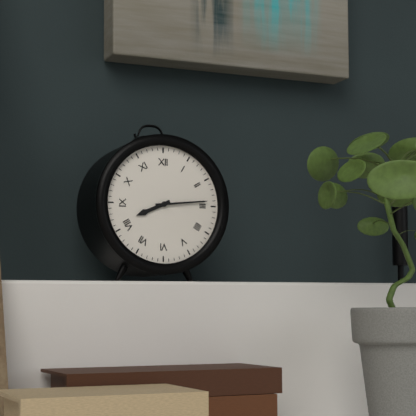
8:14
